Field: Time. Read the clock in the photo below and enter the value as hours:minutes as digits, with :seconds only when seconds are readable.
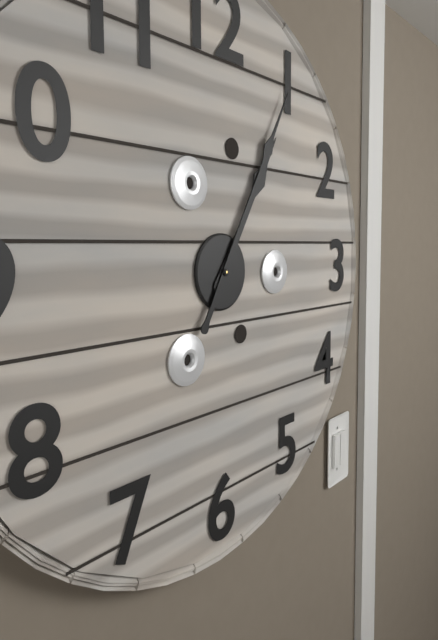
1:05
